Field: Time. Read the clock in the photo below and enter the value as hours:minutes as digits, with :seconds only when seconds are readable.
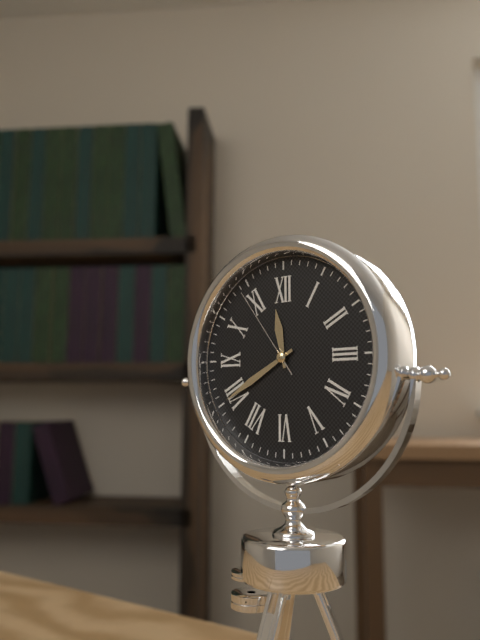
11:40:54
